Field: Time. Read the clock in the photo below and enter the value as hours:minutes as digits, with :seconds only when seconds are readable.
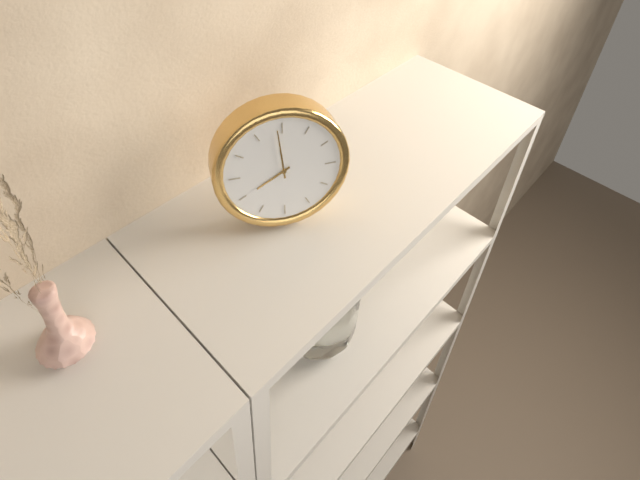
7:59
